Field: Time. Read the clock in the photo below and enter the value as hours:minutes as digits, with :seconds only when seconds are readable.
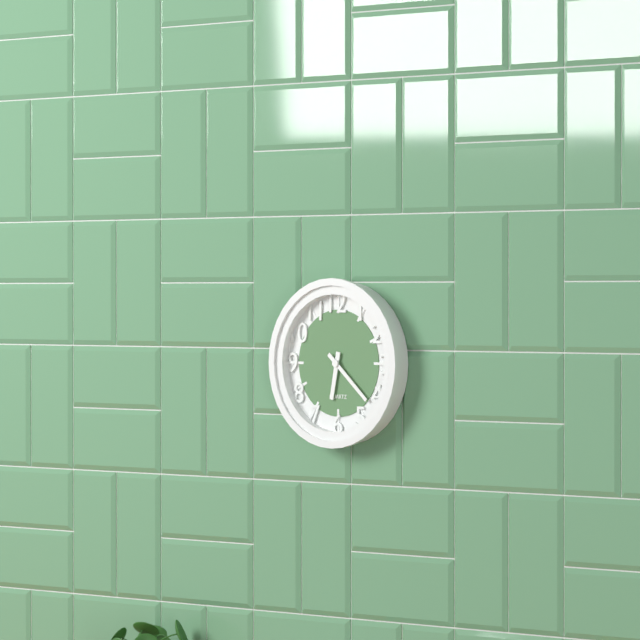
6:22
